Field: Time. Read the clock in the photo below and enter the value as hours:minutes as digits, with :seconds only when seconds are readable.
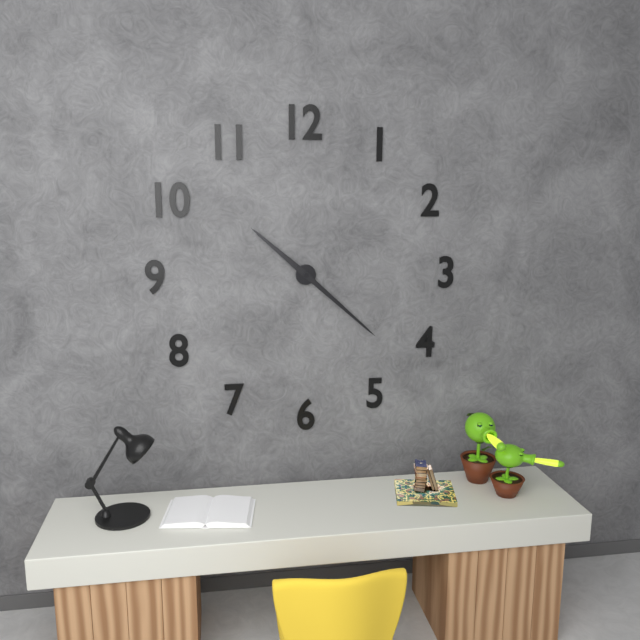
10:22
